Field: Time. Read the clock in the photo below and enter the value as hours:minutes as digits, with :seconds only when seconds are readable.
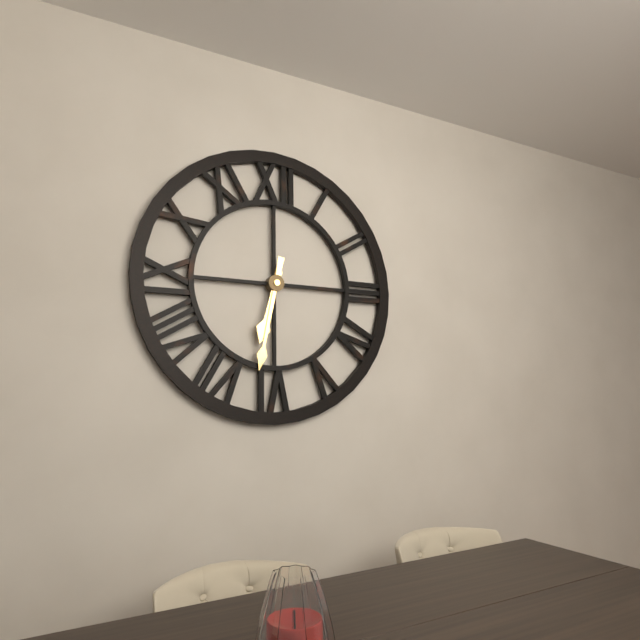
6:32
